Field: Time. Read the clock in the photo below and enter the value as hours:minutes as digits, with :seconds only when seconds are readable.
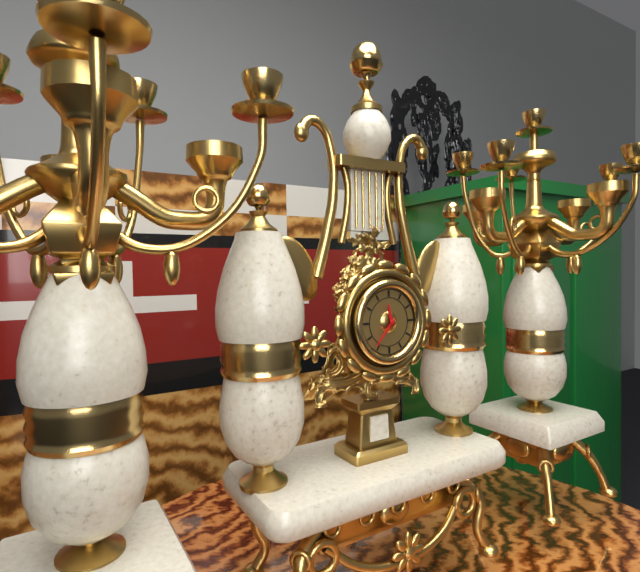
11:37
